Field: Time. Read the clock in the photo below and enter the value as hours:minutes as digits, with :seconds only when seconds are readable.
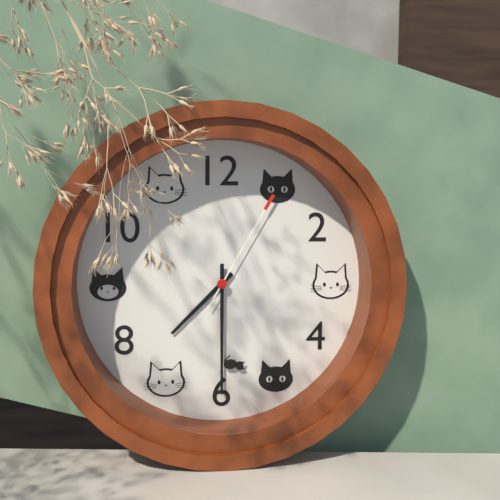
7:30:05
